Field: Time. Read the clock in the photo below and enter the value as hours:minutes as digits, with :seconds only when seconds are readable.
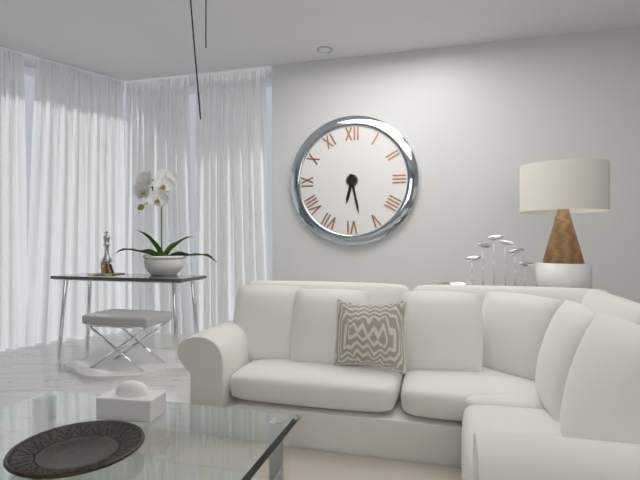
6:28
